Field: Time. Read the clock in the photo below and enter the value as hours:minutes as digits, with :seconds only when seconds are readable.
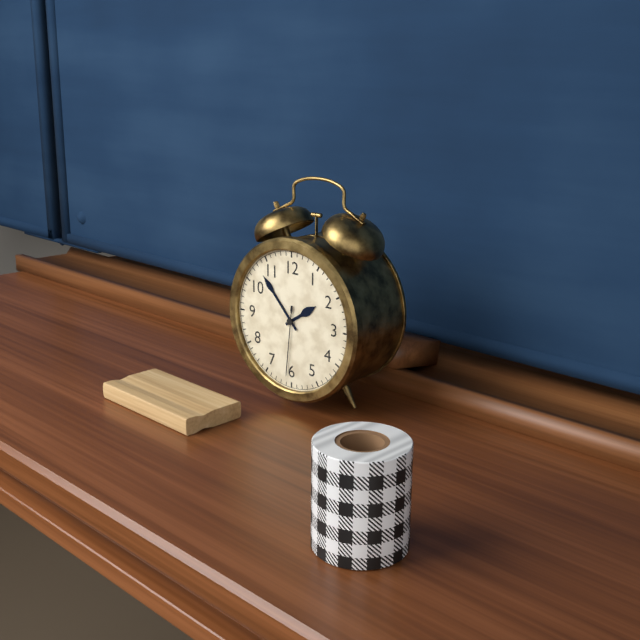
1:53:31
